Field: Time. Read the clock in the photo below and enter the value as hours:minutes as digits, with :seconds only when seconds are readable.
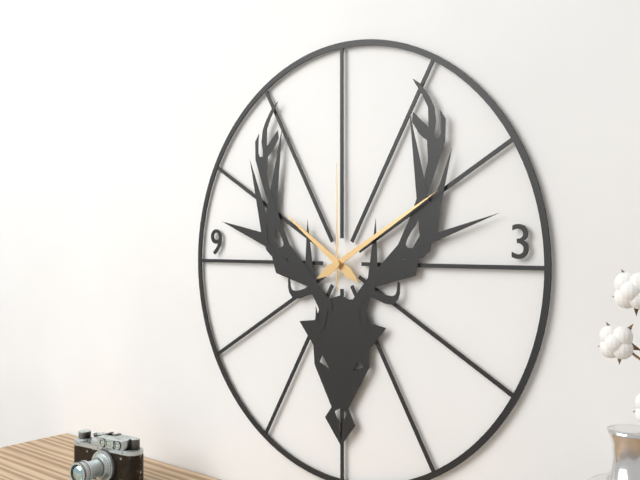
10:10:00
